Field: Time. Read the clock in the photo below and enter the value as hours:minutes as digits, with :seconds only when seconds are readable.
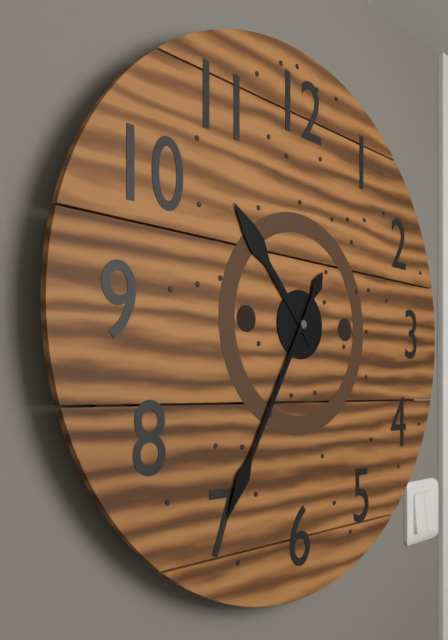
10:35
